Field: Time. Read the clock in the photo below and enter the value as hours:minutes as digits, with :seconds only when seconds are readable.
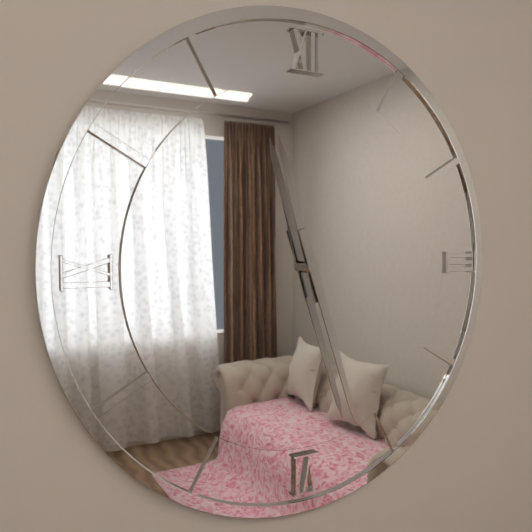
11:27
